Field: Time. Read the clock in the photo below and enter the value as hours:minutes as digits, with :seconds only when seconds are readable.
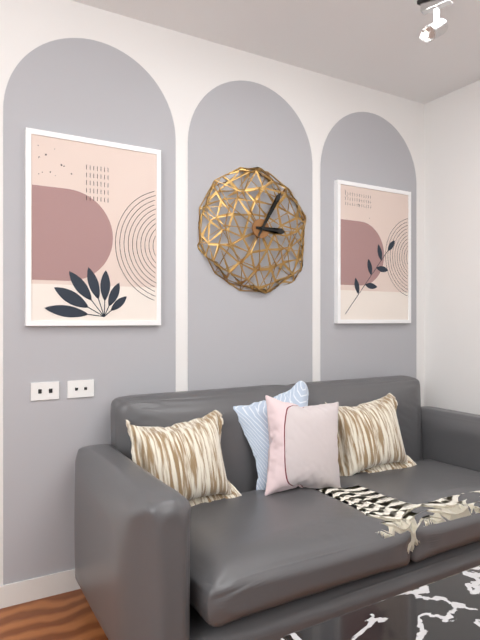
3:05
